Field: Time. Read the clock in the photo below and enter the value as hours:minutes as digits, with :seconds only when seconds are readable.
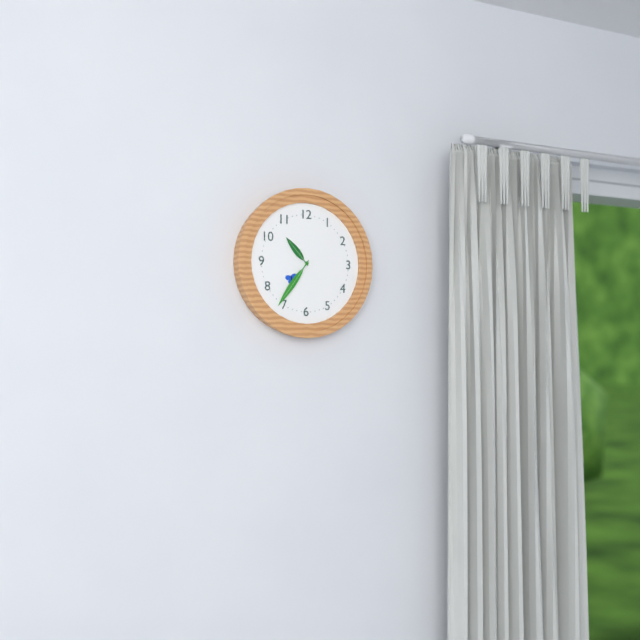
10:36
